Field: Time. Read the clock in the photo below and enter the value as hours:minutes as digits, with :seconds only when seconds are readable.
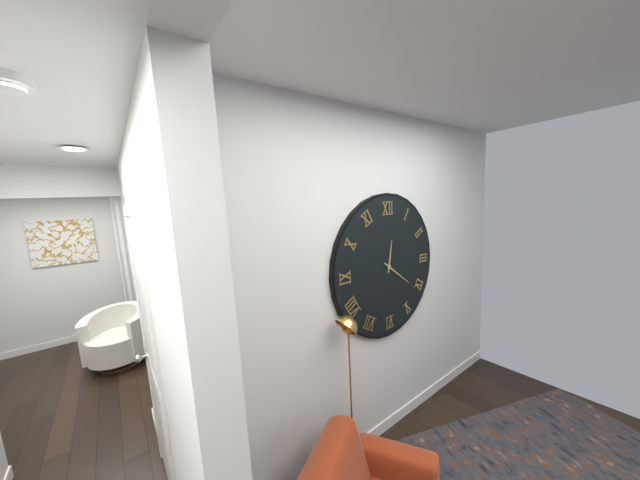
12:21
